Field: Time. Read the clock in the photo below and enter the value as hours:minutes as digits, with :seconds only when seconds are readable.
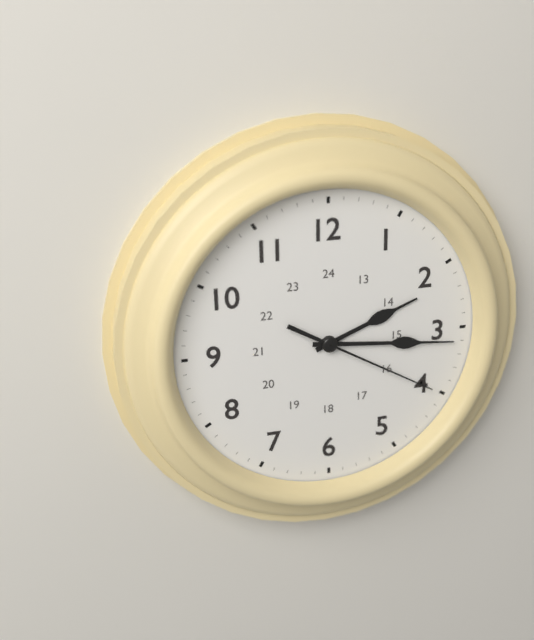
2:16:20
